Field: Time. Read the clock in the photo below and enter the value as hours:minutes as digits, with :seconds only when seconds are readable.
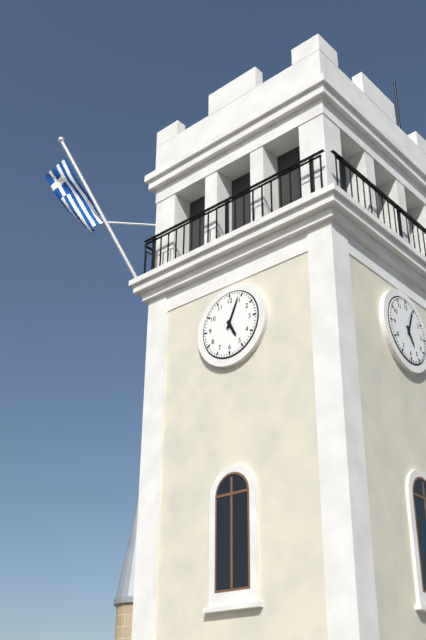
5:04
